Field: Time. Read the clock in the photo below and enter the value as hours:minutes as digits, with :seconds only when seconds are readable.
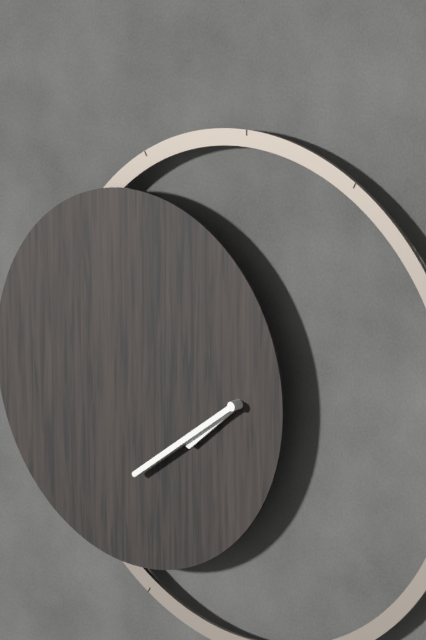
7:39
